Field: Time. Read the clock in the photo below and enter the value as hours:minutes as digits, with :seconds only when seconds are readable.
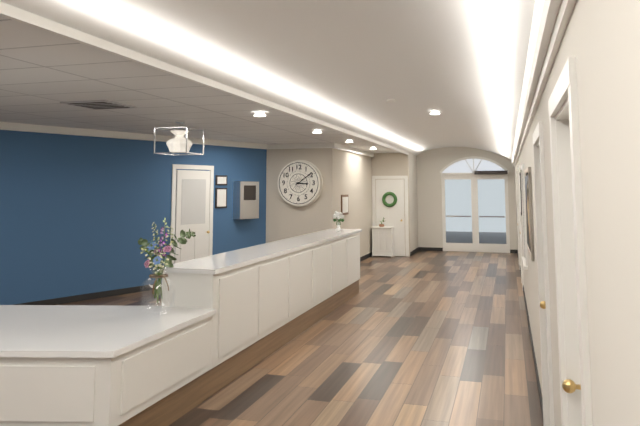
3:09
